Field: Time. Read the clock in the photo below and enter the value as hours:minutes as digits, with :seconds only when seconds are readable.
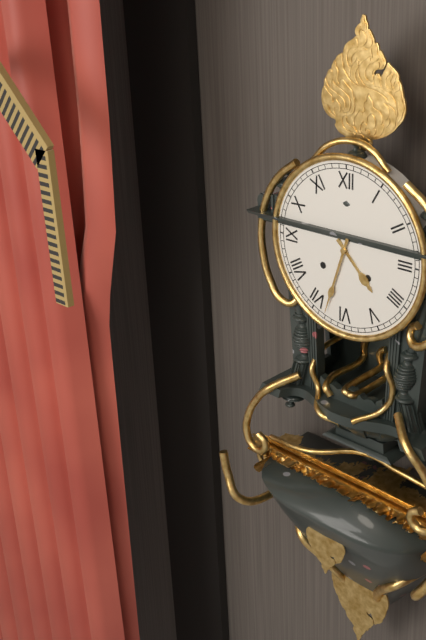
4:33
